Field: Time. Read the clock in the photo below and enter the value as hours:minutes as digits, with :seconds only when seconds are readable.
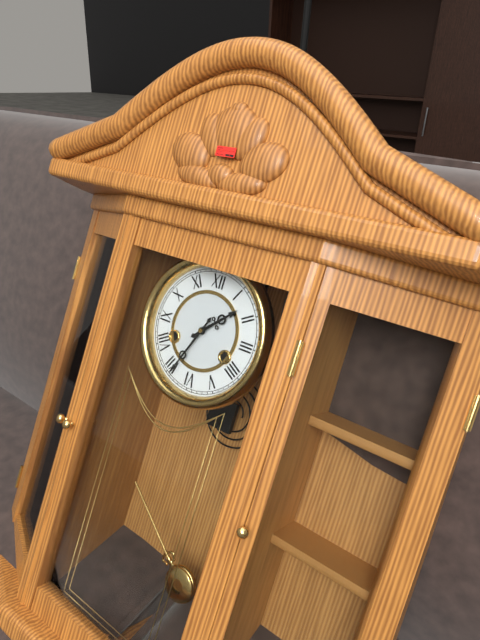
1:34
